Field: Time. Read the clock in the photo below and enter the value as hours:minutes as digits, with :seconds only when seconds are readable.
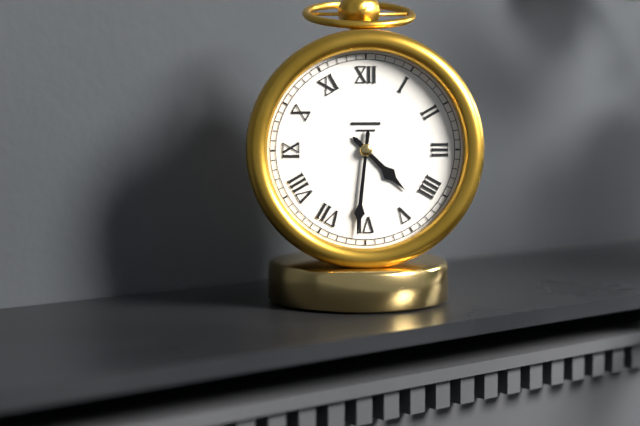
4:31
